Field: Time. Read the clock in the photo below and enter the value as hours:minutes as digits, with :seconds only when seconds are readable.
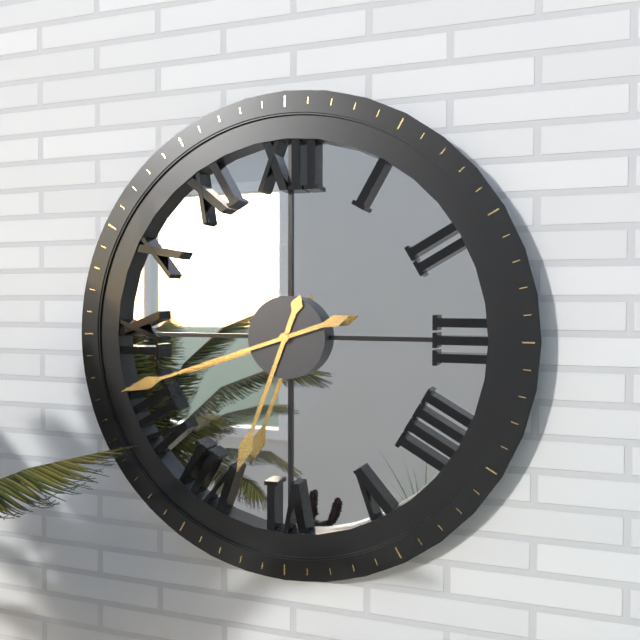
6:42
